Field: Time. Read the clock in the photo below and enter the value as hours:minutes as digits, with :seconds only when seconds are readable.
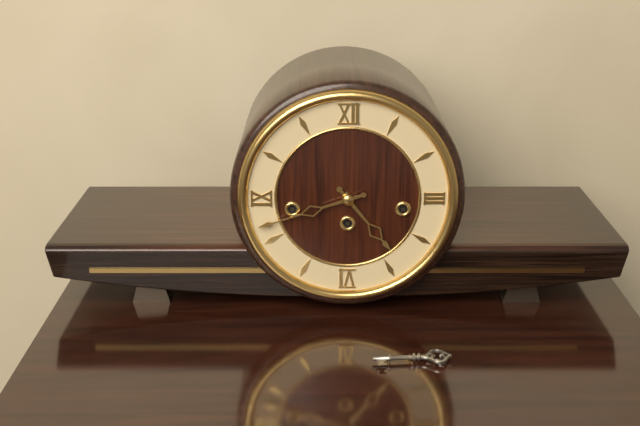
4:42
